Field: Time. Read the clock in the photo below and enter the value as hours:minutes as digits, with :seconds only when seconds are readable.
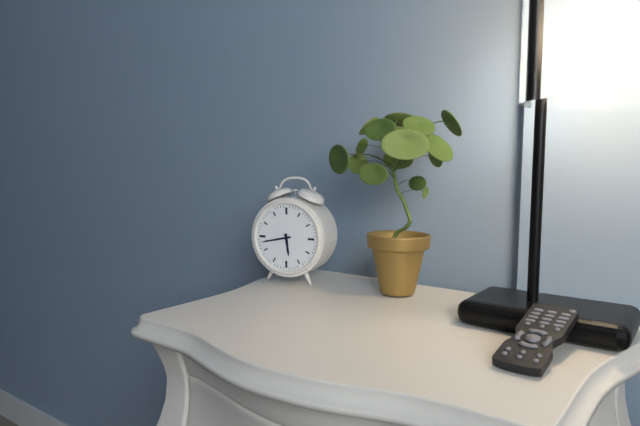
5:43
